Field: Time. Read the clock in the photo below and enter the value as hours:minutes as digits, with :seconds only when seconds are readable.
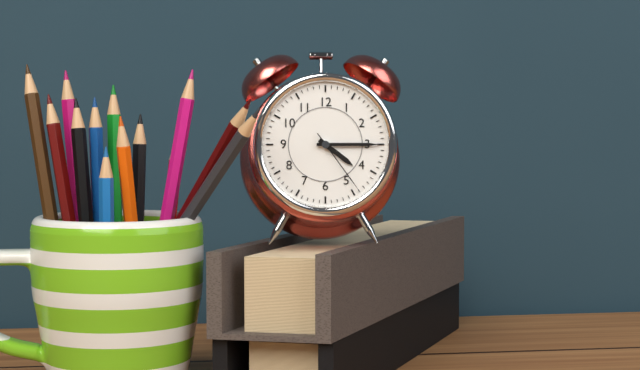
4:15:24
